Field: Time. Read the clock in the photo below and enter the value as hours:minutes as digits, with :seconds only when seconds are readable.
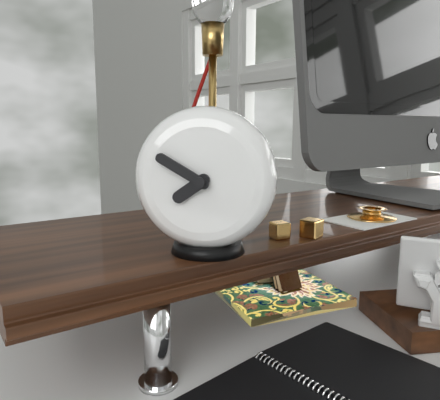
7:50
